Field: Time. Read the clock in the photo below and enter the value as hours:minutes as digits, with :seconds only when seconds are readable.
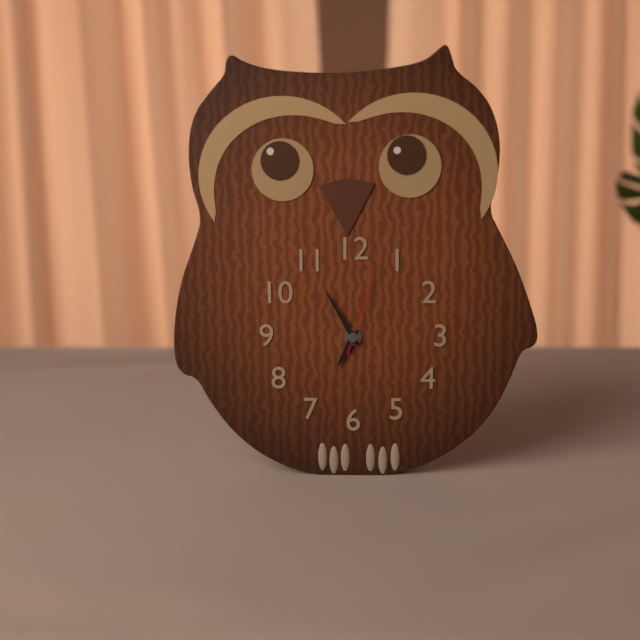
6:55:03
